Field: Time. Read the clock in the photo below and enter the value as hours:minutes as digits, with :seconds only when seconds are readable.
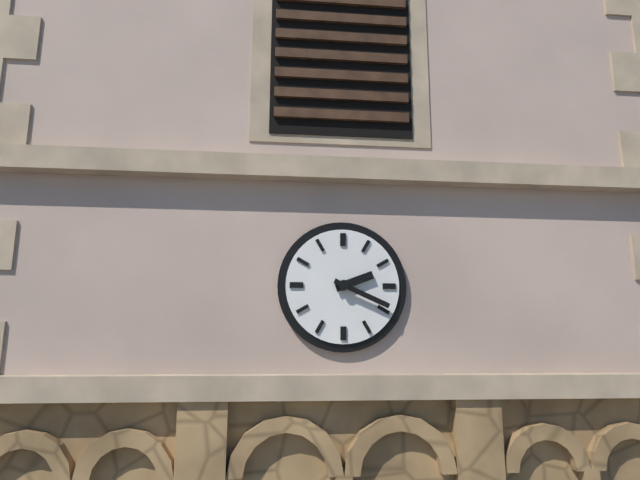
2:19
